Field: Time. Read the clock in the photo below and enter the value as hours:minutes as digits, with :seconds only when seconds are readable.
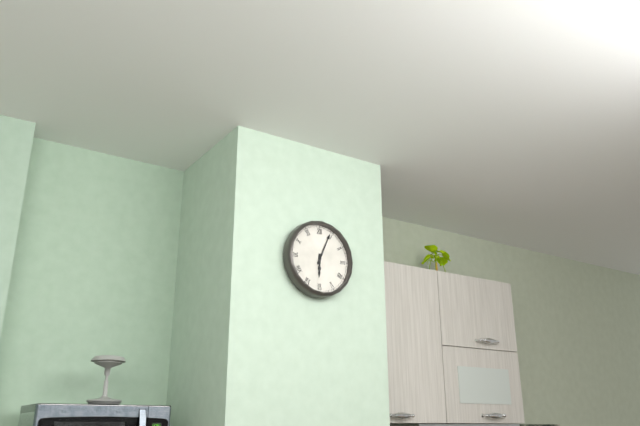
6:04
